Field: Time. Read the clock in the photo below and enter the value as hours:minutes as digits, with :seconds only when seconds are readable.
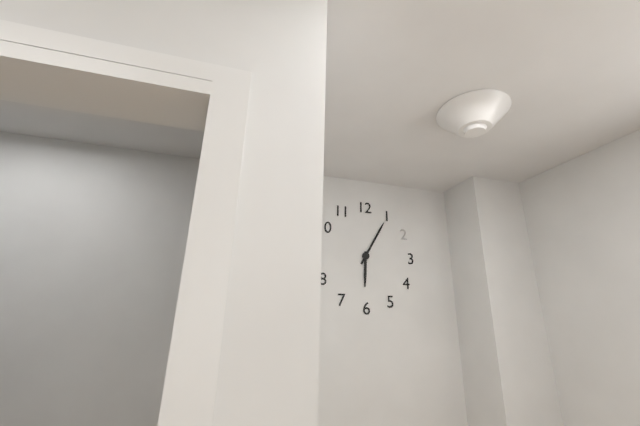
6:05
